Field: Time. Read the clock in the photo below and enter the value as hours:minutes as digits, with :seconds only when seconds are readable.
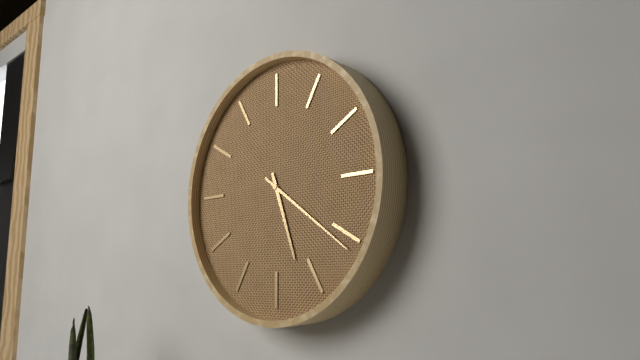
5:21
